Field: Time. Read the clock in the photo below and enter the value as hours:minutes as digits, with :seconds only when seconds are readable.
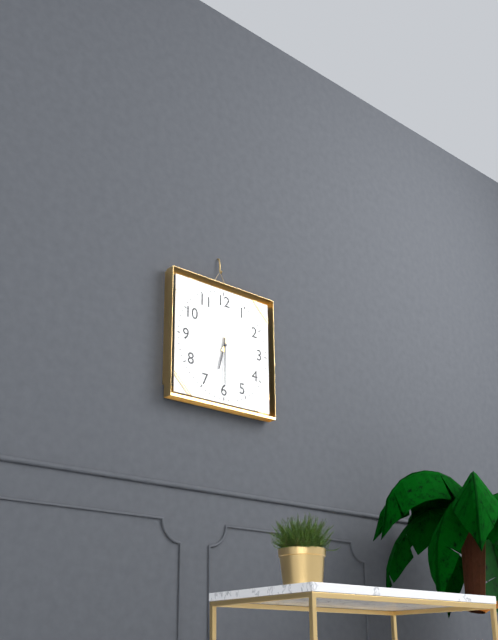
6:30
